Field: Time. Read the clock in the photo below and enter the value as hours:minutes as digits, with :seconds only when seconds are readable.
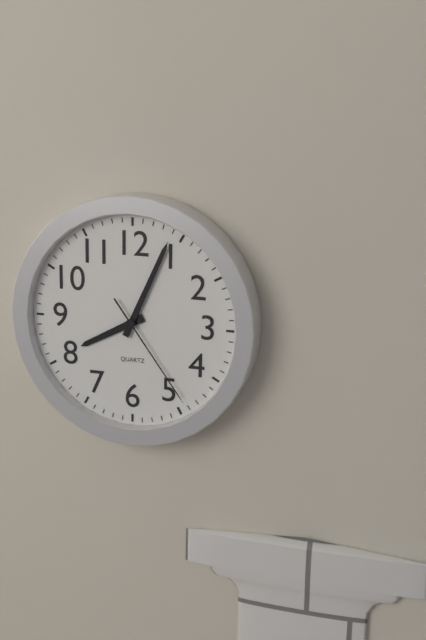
8:04:24
